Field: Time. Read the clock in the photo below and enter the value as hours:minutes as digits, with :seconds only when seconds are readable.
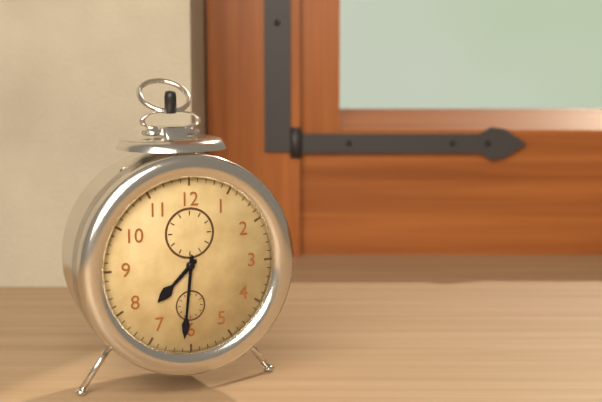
7:31
